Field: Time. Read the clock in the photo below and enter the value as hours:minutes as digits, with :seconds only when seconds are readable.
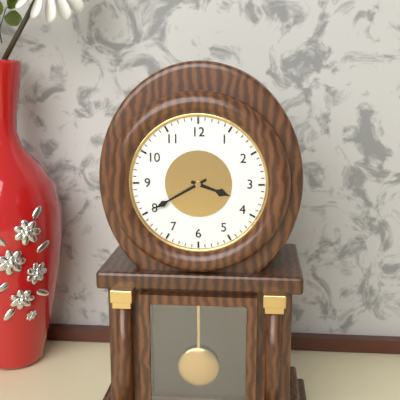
3:40
